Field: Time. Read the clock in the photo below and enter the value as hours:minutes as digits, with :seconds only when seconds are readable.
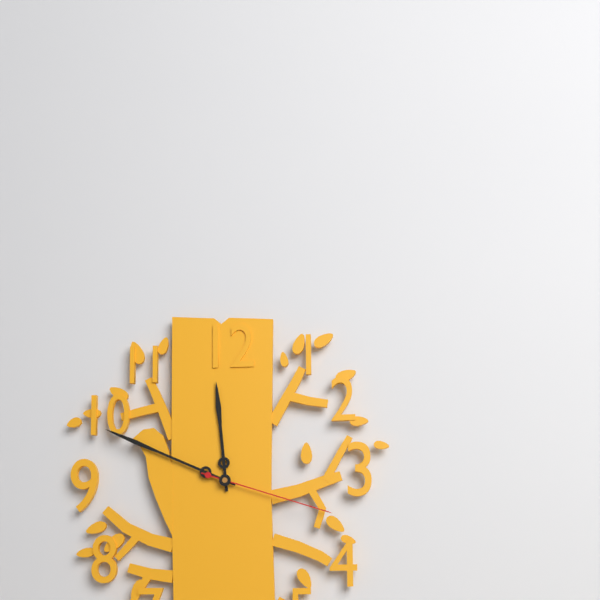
11:49:18
